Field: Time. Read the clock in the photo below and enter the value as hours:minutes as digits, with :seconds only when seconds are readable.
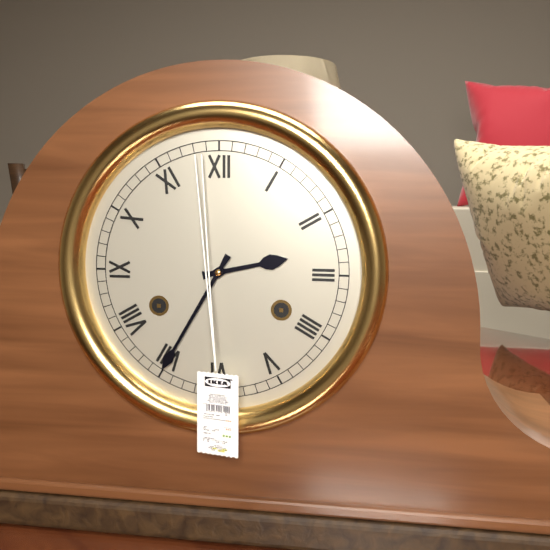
2:35
